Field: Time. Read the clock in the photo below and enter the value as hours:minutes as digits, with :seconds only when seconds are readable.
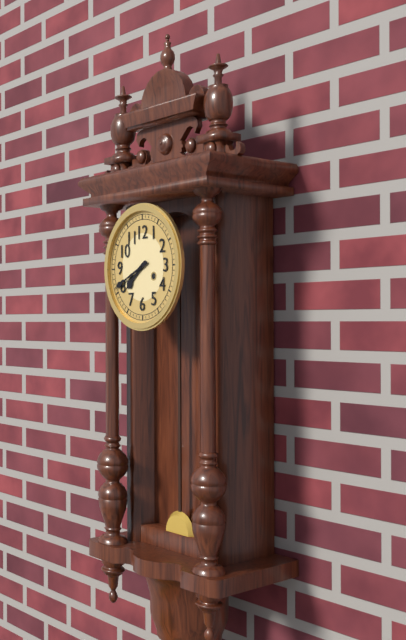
7:41
